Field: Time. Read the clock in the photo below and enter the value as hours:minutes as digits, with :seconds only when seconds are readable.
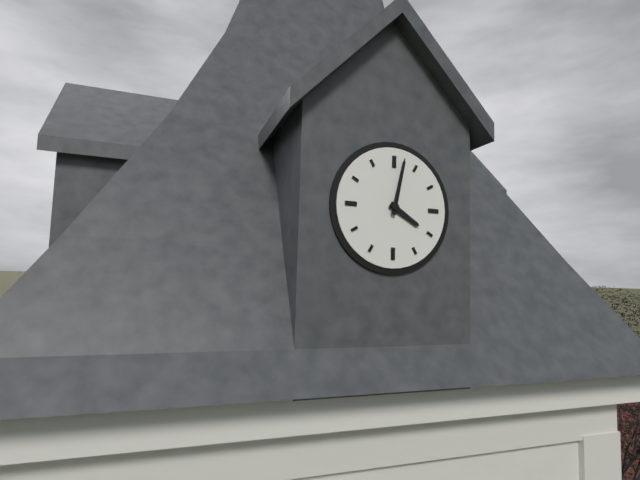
4:02
